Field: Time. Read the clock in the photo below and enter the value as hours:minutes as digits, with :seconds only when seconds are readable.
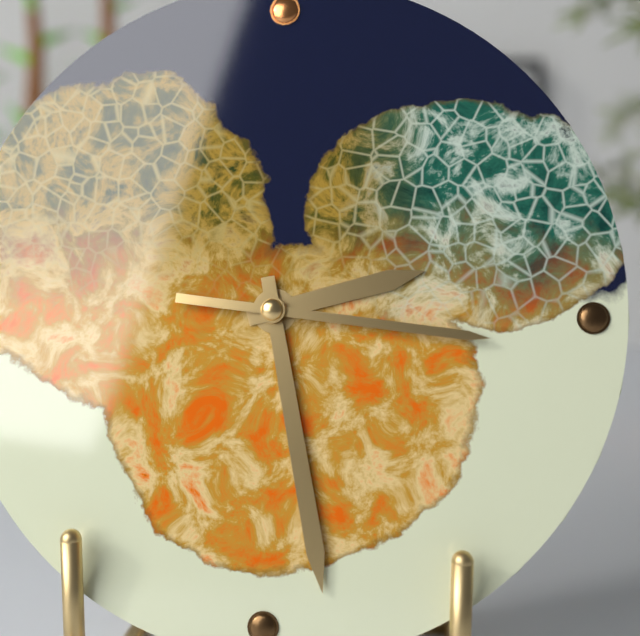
2:28:16
